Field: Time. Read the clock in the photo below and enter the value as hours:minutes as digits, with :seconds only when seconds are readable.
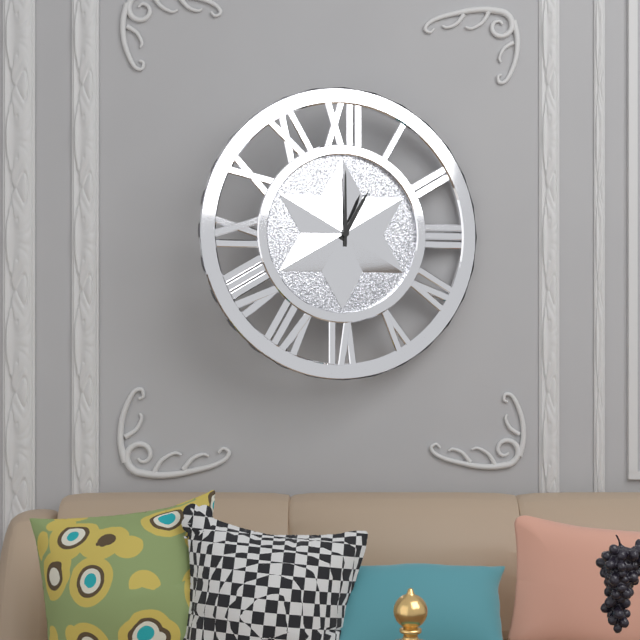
1:00
